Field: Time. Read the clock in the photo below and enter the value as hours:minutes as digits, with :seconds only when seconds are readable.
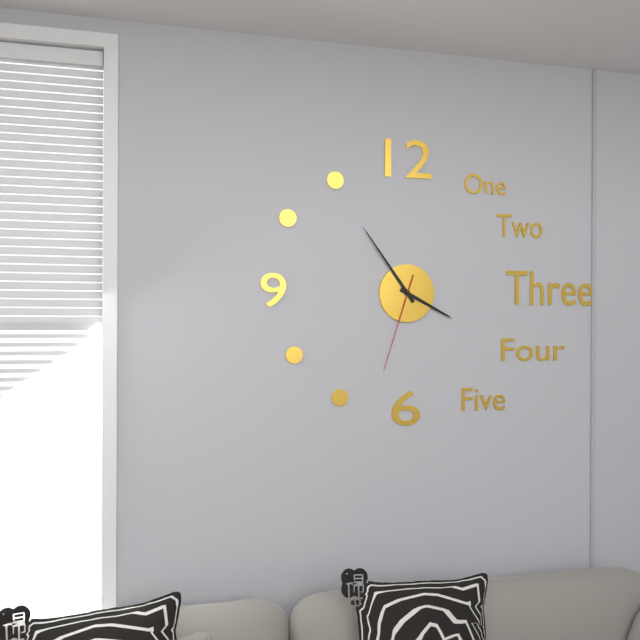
3:54:33
